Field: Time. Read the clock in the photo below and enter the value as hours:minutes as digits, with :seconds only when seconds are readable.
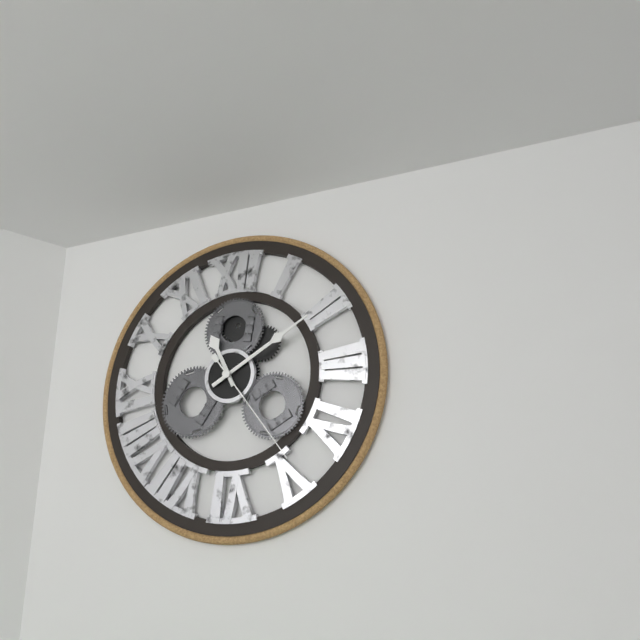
11:10:24
